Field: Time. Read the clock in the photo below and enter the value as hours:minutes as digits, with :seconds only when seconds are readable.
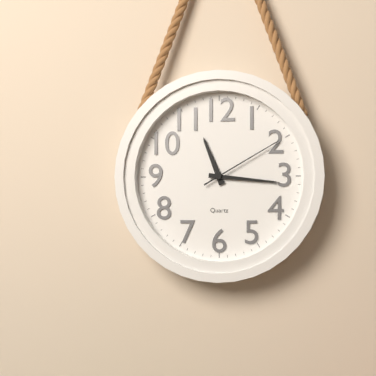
11:16:10
